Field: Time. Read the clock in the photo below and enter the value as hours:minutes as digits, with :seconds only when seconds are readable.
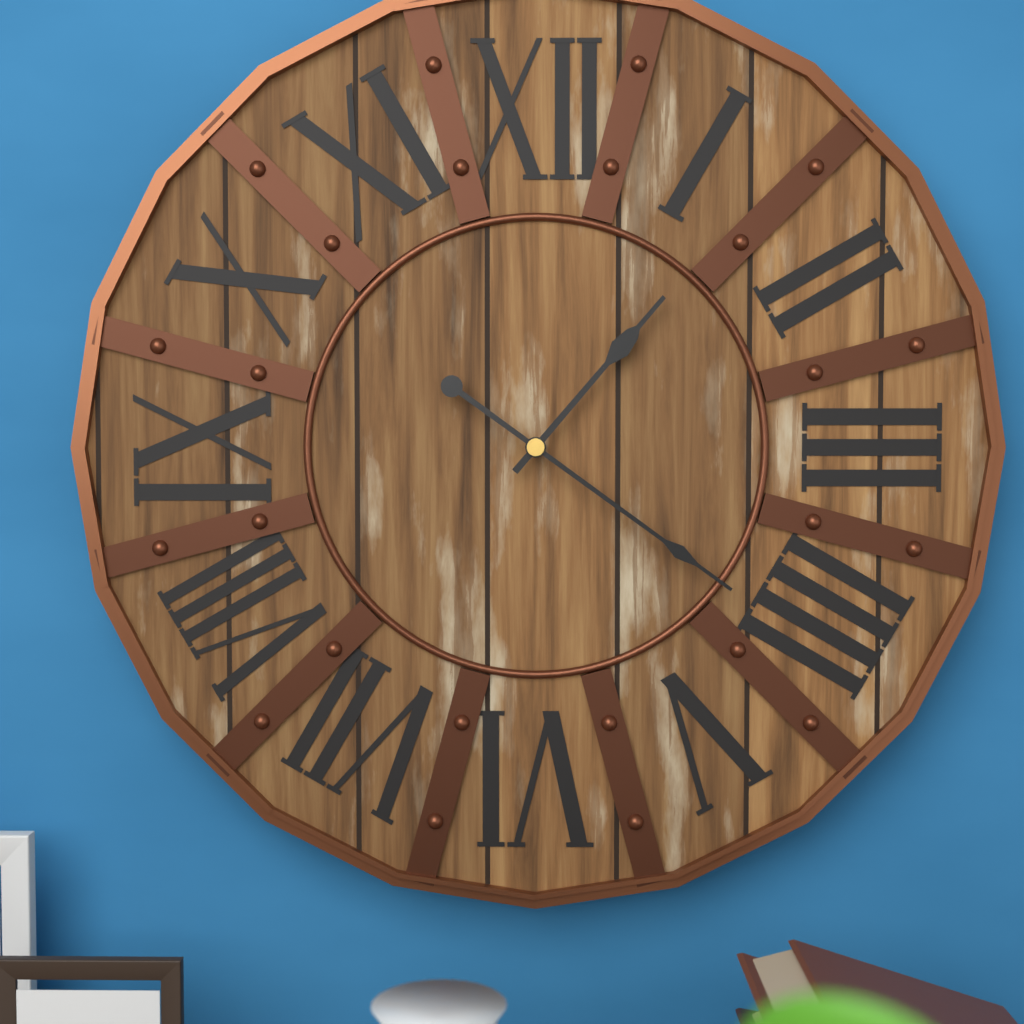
1:21
